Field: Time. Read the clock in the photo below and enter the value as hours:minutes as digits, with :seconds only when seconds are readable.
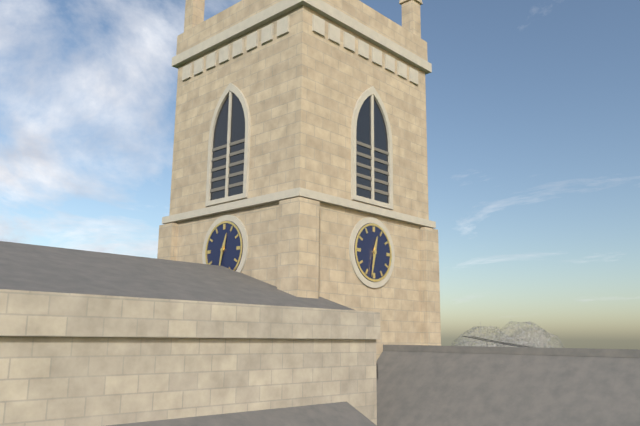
12:32
